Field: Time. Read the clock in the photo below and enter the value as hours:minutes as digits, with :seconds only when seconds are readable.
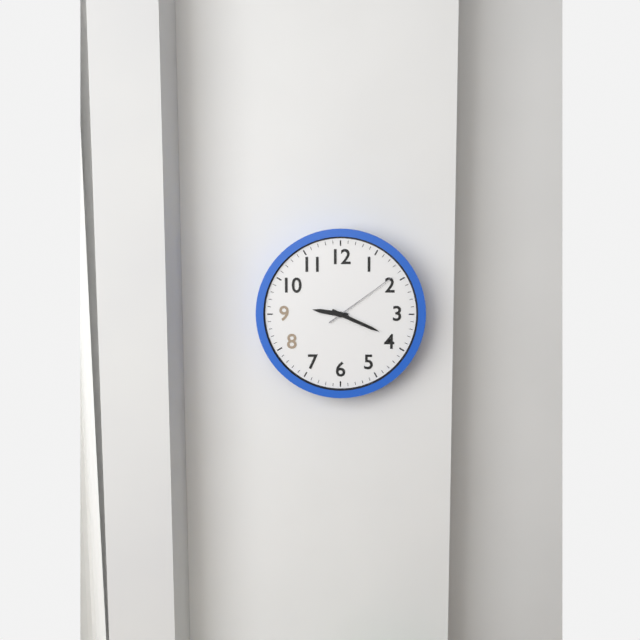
9:19:09
